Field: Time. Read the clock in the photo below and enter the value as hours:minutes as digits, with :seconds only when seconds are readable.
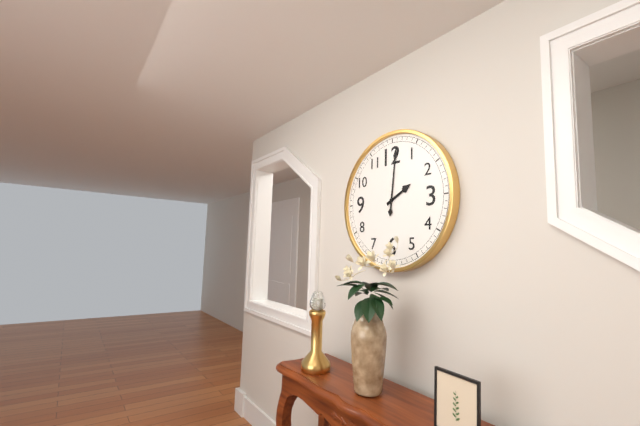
2:01
